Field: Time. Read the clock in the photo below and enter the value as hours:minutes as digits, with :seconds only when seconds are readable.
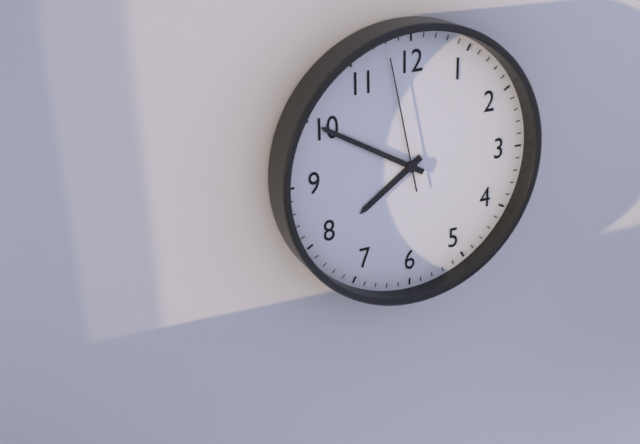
7:50:58
